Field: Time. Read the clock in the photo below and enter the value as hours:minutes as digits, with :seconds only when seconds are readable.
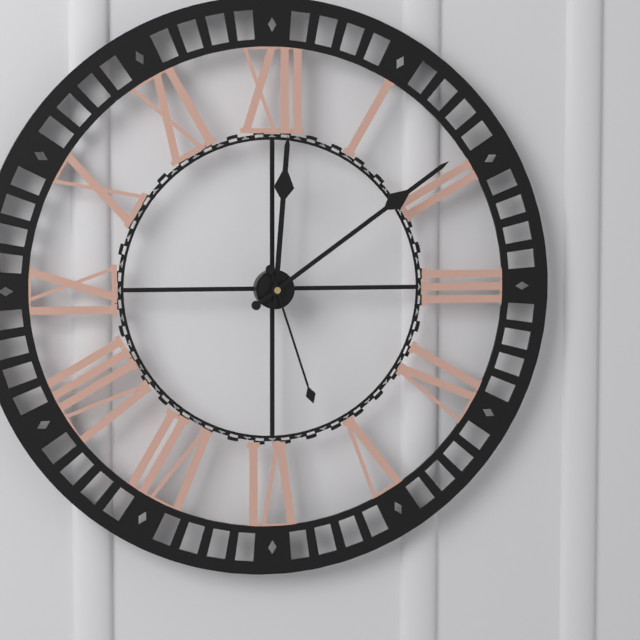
12:09:27
